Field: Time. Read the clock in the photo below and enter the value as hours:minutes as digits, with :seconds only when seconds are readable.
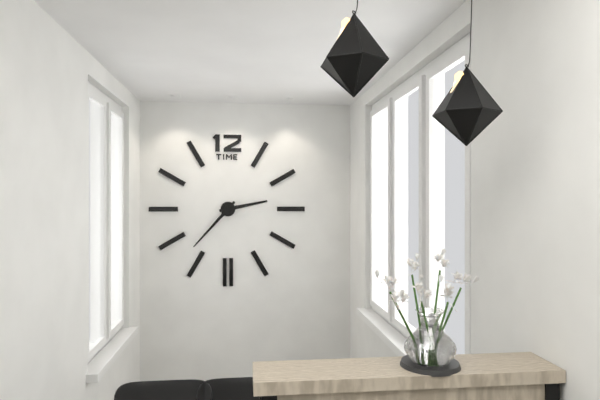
2:37
